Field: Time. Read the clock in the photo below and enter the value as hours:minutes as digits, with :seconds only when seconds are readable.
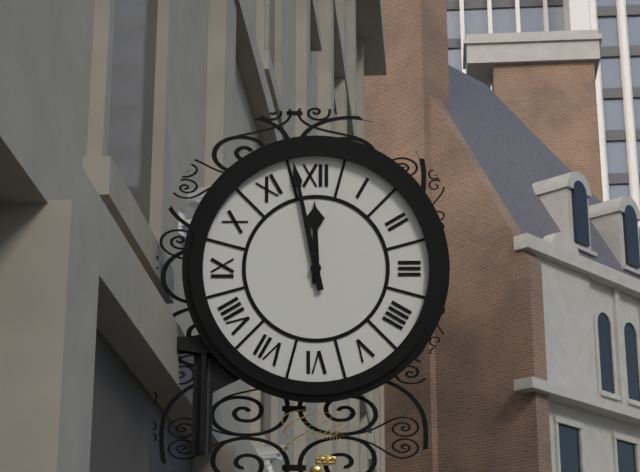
11:58
